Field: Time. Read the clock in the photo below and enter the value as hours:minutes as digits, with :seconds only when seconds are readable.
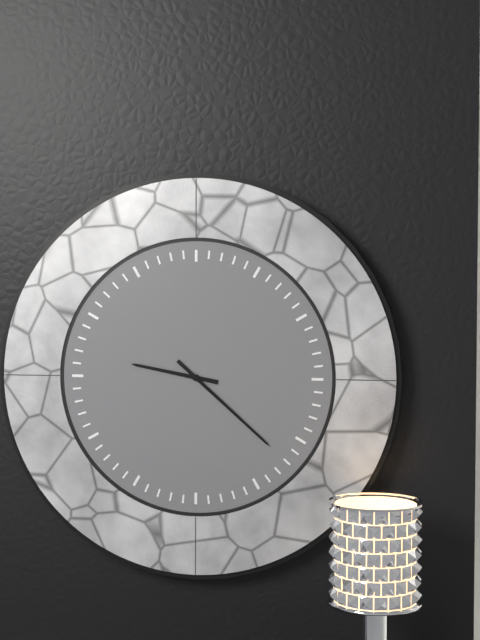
9:22
